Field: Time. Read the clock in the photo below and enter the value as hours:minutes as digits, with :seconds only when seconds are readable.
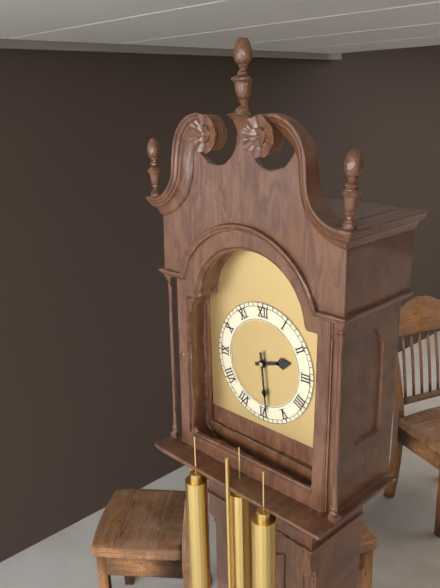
2:29
